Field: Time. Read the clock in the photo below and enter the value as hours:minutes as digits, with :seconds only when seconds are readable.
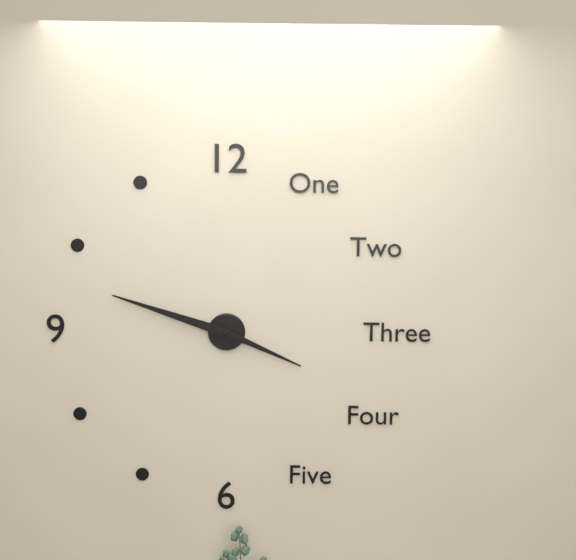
3:48
